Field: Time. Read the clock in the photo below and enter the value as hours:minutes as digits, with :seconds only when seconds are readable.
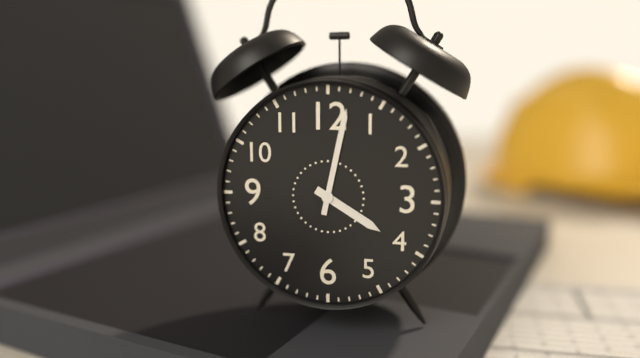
4:02
